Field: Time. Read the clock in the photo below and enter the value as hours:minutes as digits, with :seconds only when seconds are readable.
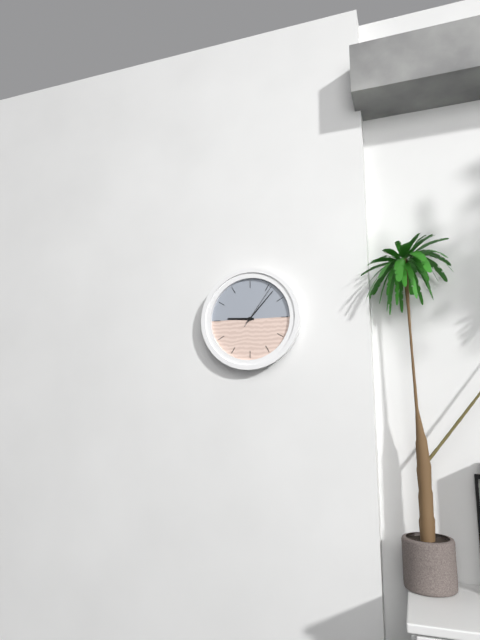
9:07
